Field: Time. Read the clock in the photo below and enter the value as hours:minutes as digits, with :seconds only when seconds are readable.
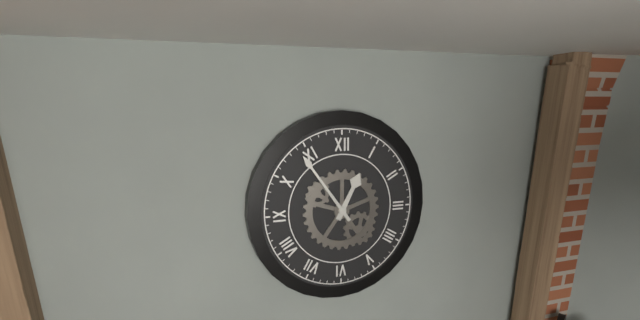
12:54
